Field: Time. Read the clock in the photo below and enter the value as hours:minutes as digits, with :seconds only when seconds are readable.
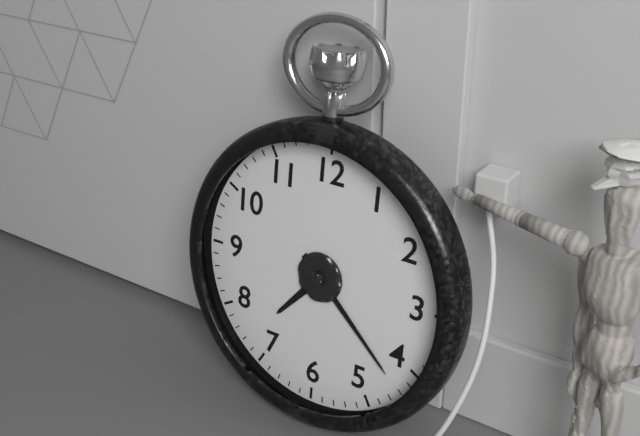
7:22
